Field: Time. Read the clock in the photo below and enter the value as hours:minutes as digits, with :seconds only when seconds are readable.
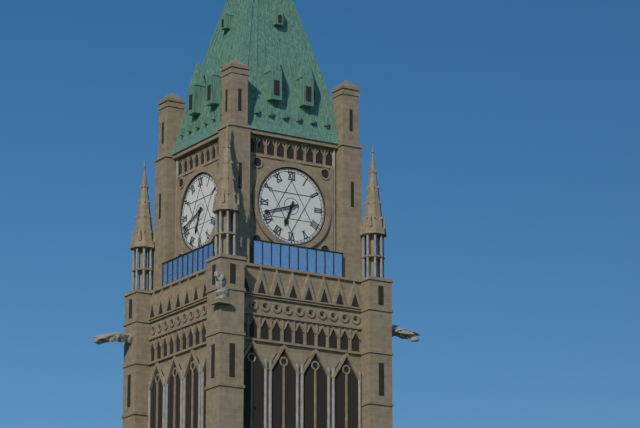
6:42
